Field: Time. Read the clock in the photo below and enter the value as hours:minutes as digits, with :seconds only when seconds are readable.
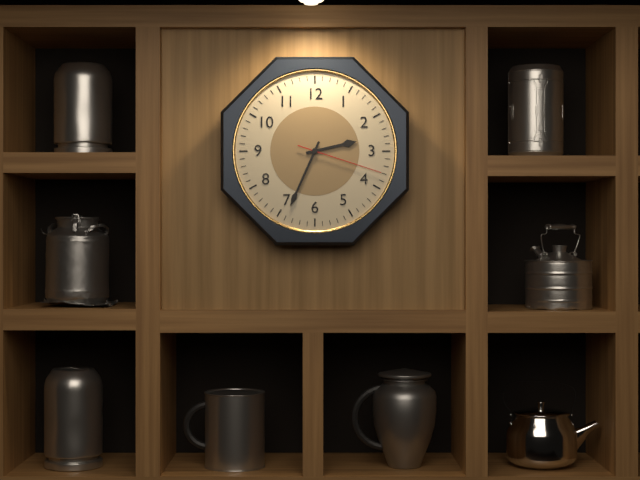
2:34:18
